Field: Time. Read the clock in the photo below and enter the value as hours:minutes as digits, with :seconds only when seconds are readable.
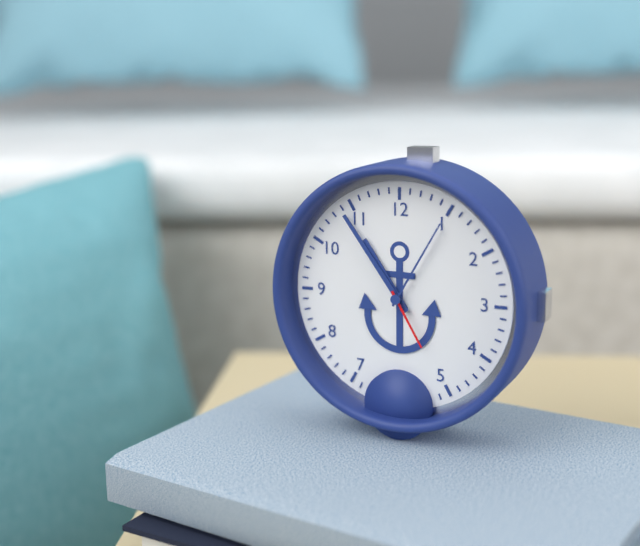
10:54:25
